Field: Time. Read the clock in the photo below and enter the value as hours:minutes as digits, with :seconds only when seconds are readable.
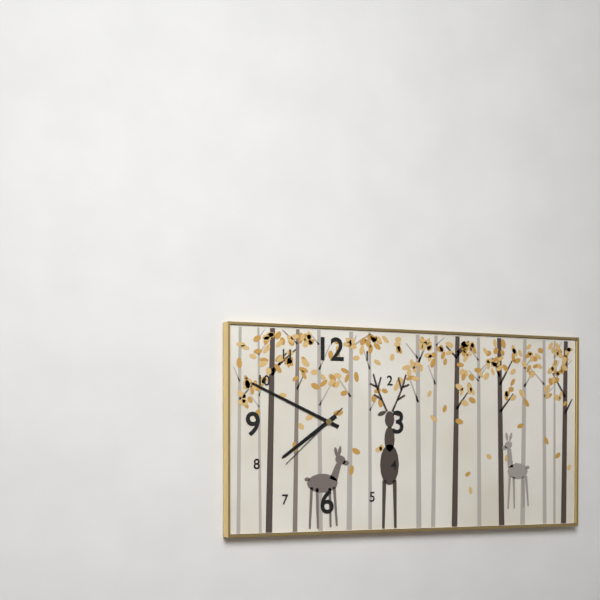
7:49:38
